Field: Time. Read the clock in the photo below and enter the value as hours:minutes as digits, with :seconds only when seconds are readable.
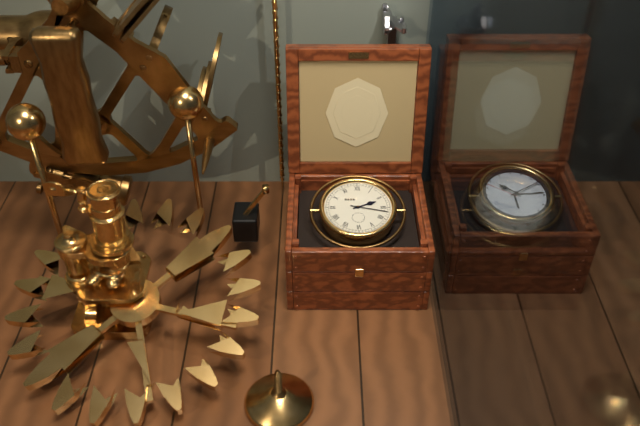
2:17
